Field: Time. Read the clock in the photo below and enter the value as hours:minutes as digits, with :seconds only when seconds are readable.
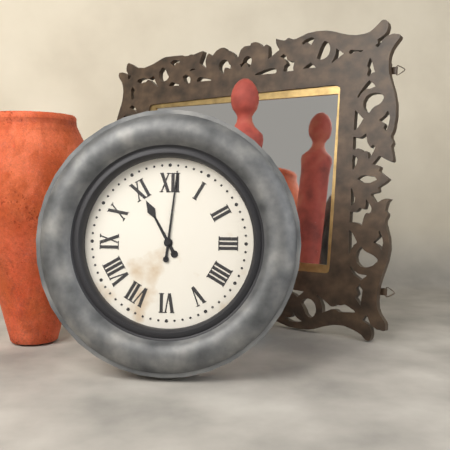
11:01
